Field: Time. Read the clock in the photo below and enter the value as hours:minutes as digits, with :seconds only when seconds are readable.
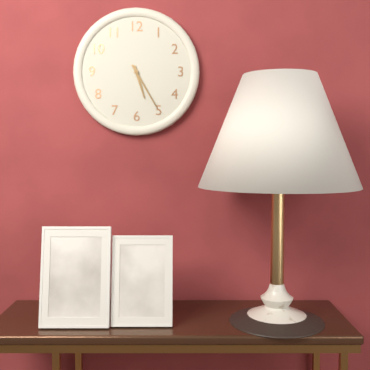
5:25
